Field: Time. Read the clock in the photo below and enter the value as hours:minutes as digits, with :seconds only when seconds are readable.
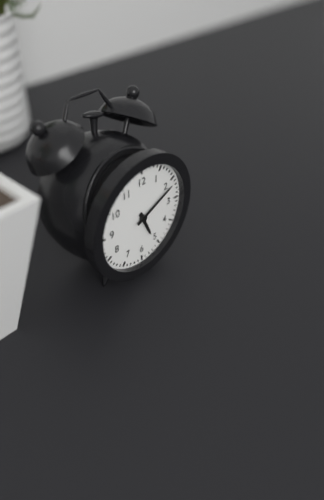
5:11
